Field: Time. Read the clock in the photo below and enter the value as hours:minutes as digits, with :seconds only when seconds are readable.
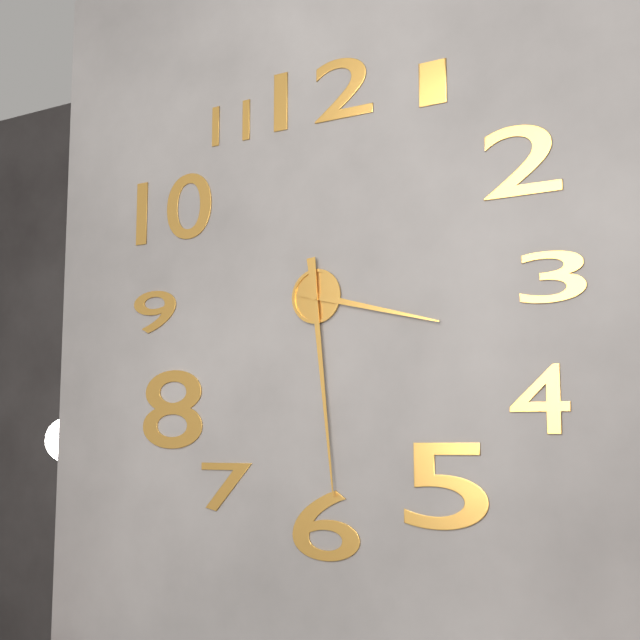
3:29
